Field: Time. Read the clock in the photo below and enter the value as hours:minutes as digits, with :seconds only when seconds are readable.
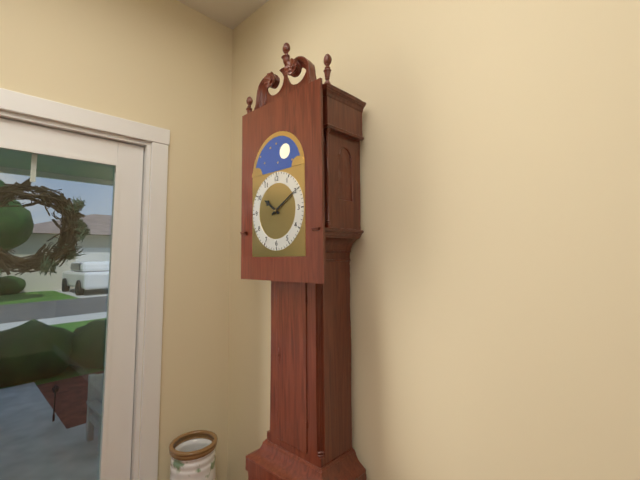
10:10
